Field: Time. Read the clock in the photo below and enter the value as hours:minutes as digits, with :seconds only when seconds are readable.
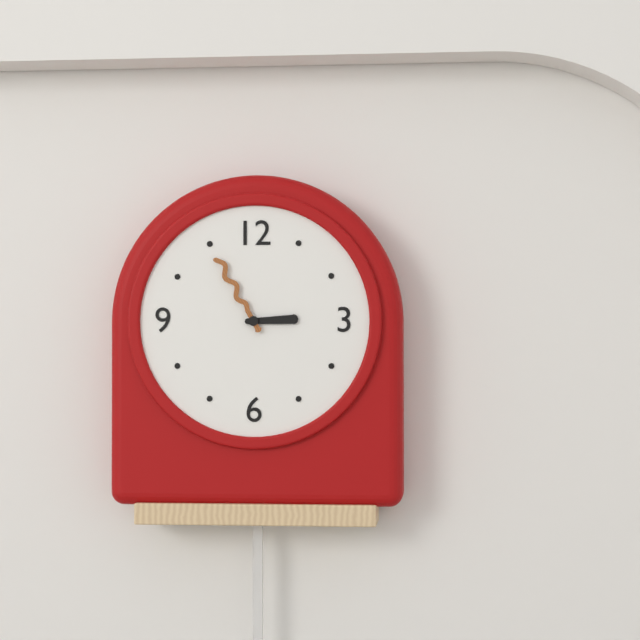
2:55
